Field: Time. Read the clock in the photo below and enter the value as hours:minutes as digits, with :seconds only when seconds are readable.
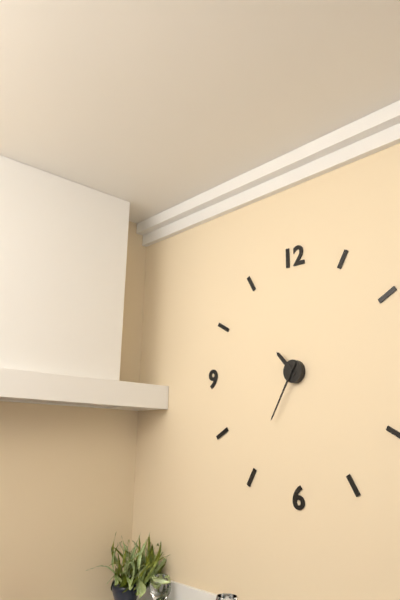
10:35
